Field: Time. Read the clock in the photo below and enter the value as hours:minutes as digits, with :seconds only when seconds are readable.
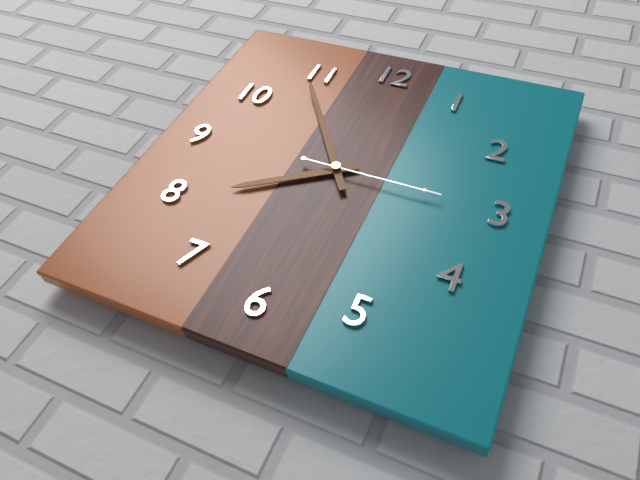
7:54:15
